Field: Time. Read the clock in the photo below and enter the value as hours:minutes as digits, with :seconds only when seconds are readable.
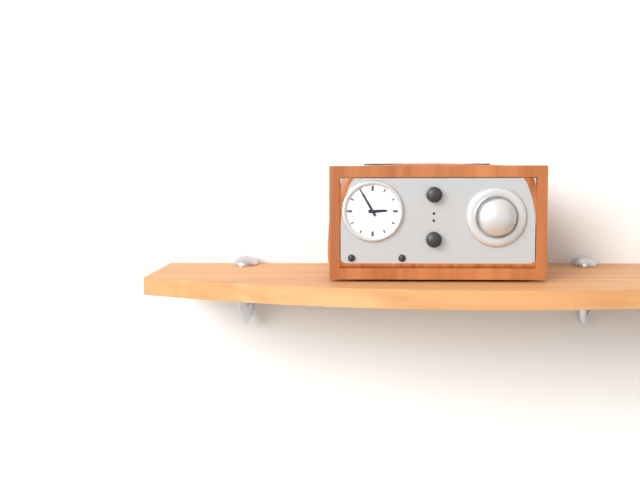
2:55
